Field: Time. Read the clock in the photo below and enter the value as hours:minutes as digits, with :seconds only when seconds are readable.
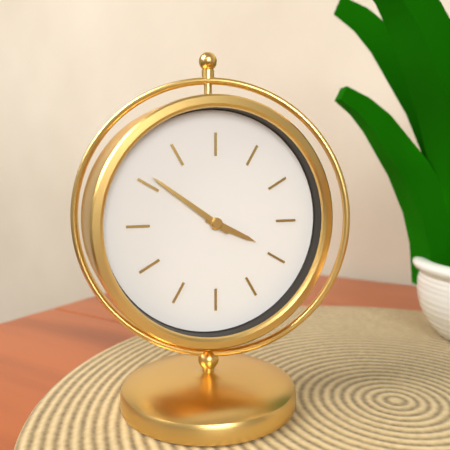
3:51
